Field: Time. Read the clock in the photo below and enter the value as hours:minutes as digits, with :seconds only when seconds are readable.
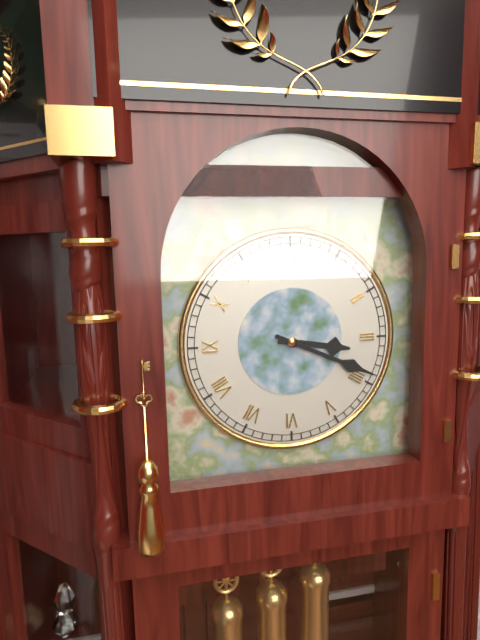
3:19
